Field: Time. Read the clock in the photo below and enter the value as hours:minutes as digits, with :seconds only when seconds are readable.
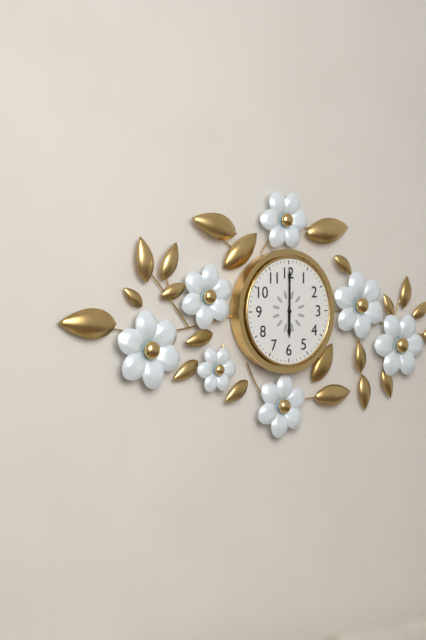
6:00
